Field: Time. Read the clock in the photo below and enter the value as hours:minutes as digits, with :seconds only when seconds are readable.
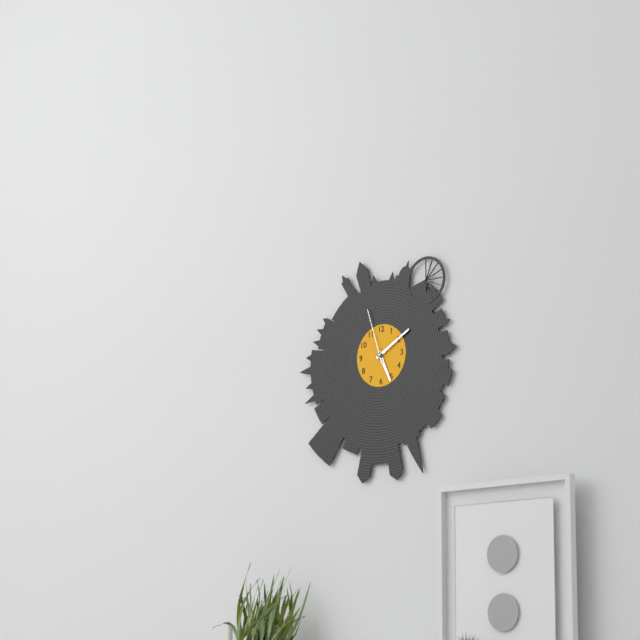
5:10:57
